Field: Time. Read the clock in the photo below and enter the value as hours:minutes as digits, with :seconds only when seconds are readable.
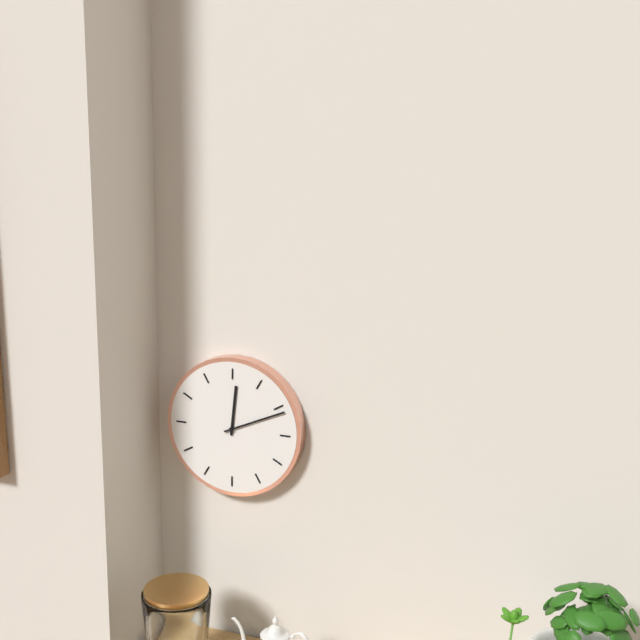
12:11
